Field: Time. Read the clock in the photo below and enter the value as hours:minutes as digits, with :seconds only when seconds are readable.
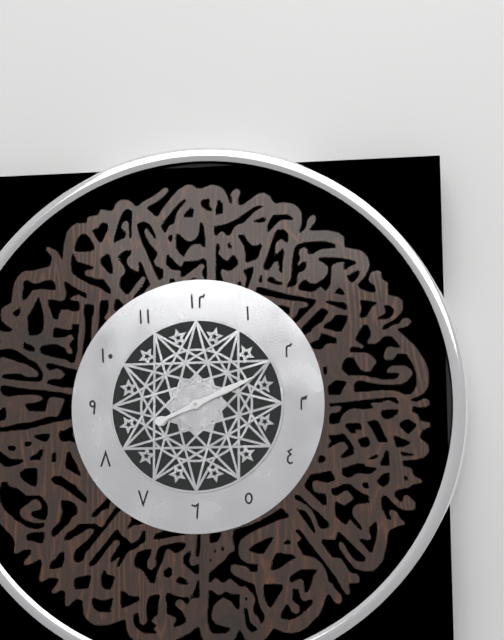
2:11
